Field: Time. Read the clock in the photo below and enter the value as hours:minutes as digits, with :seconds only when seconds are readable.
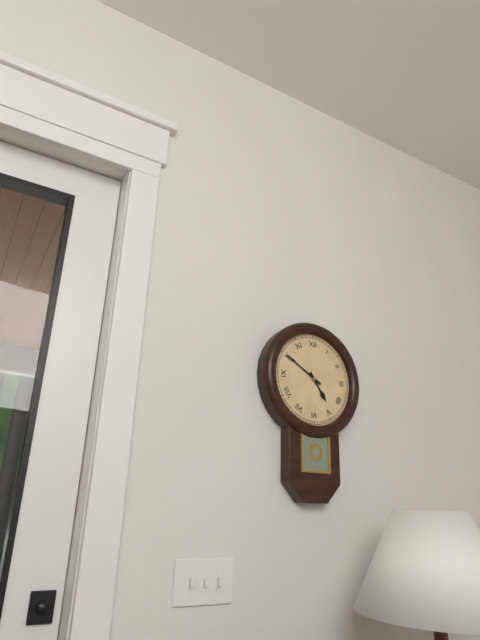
4:50
